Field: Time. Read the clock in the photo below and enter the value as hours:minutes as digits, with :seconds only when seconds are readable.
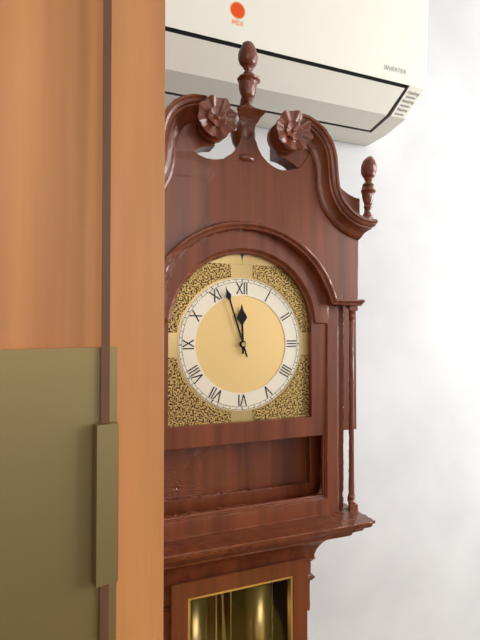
11:57
